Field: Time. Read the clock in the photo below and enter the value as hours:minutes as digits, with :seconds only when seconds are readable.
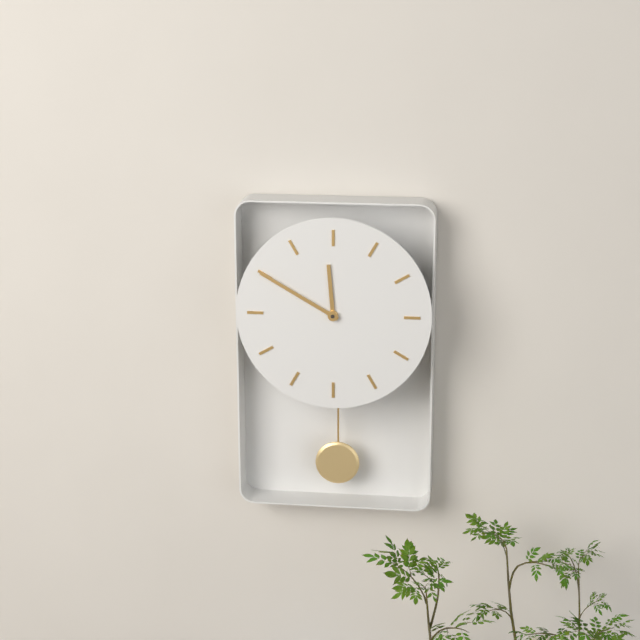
11:50
